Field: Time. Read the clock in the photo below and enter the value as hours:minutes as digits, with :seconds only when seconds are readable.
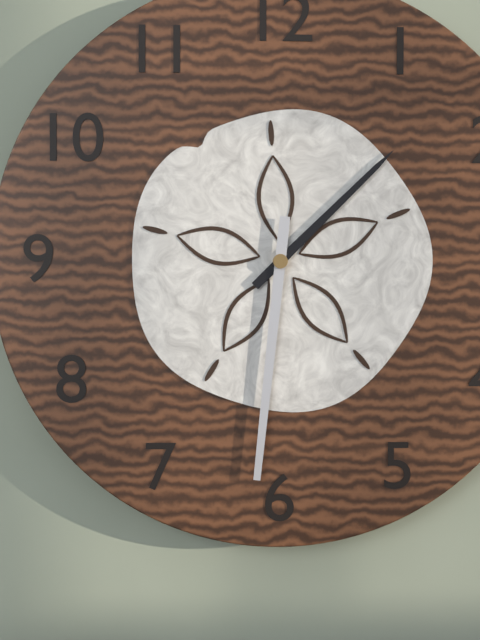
1:31
